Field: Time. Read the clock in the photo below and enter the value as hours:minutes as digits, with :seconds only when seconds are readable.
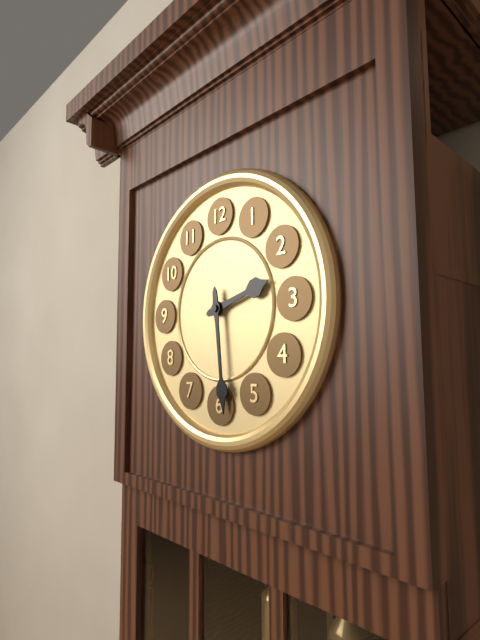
2:29
